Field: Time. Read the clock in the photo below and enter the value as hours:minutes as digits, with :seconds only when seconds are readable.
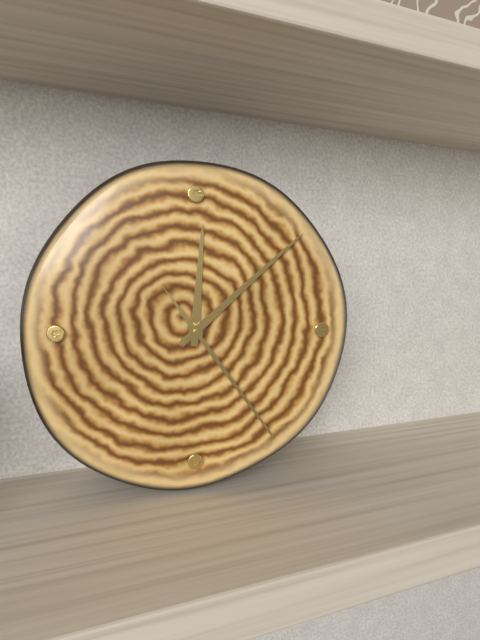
12:08:24
